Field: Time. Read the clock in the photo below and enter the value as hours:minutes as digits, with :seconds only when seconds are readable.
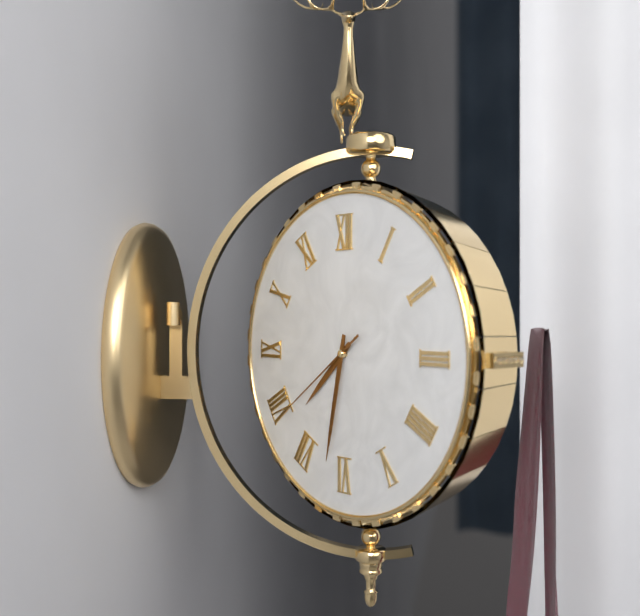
7:32:39
